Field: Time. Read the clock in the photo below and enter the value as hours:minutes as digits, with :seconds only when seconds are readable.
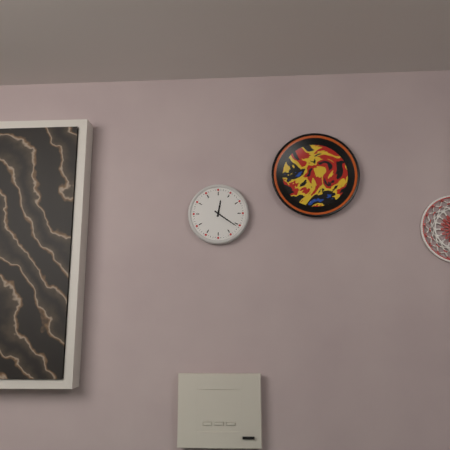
12:21
